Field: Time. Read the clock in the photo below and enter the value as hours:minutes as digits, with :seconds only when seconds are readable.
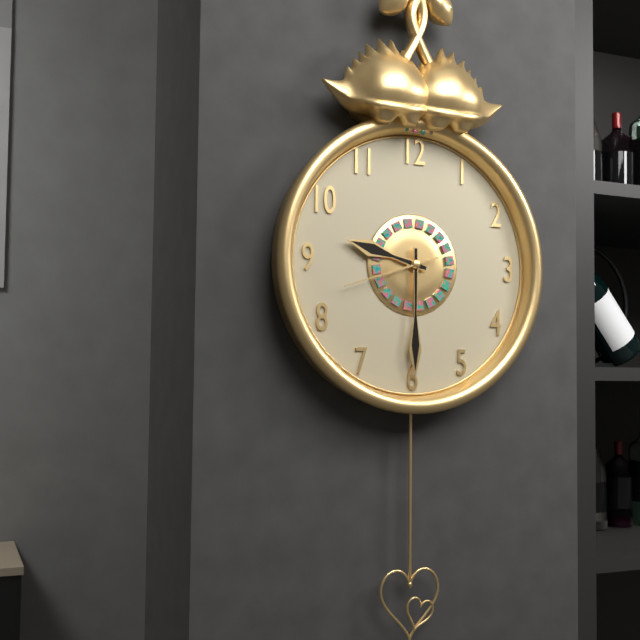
9:30:42
